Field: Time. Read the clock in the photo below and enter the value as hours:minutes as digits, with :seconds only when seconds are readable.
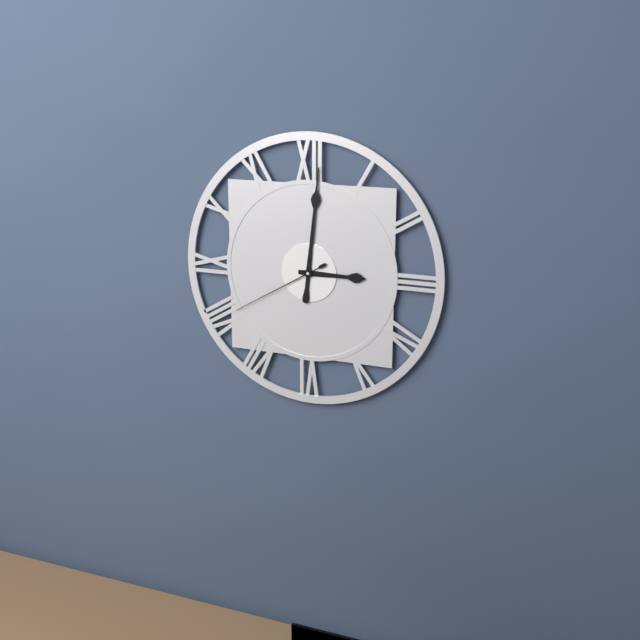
3:01:40
